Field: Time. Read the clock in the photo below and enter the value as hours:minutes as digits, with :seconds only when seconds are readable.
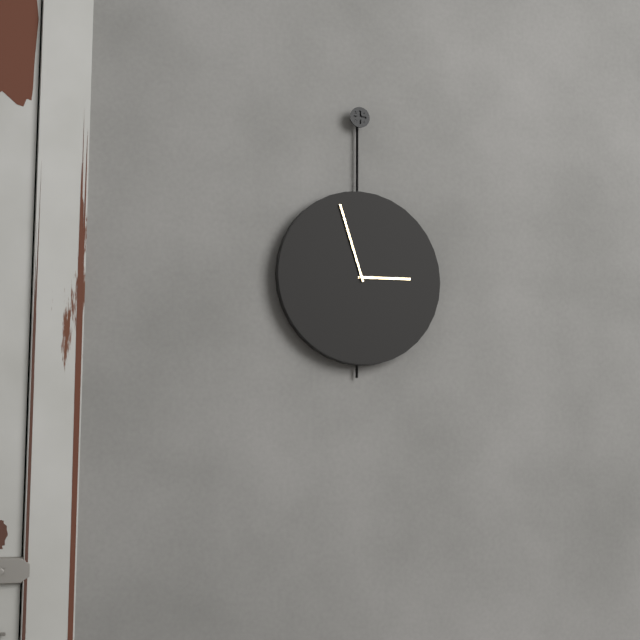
2:57
